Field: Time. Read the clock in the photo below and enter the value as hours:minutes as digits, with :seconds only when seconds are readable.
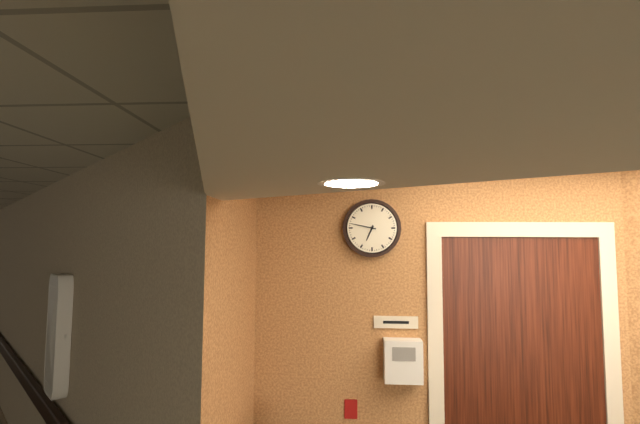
6:47
